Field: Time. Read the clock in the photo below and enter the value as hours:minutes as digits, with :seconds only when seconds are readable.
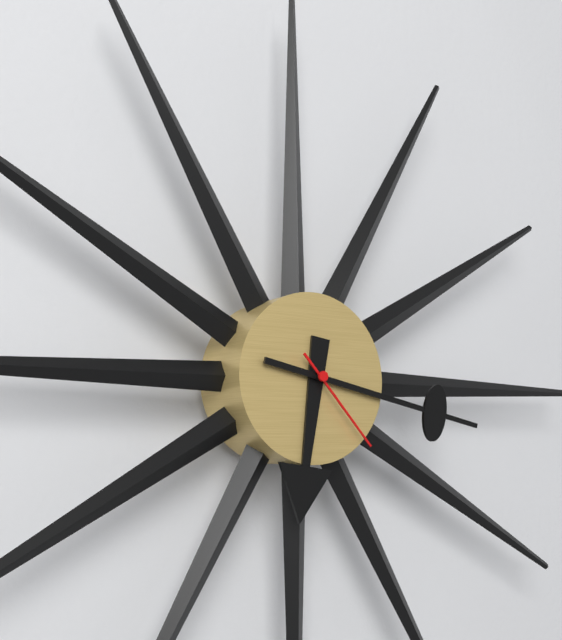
6:17:23
